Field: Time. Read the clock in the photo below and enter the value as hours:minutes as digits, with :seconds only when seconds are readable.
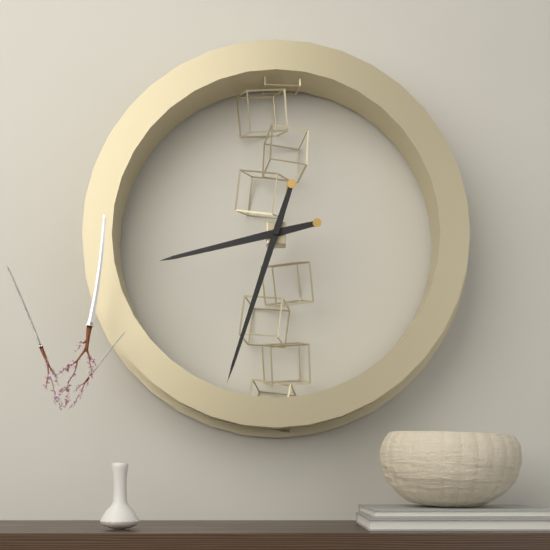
8:33
